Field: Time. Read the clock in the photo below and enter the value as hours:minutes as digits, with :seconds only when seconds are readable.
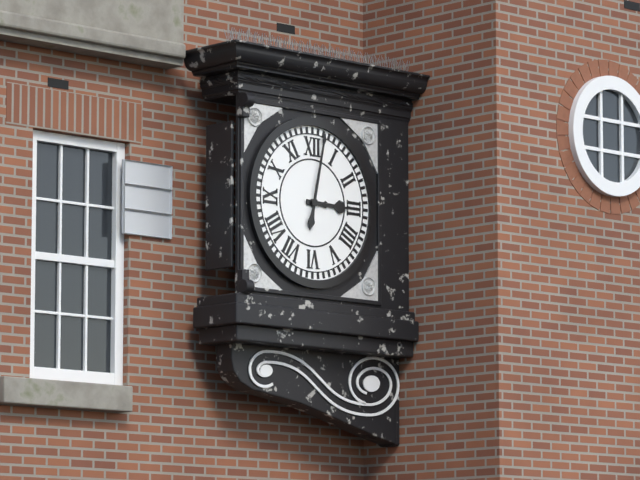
3:02
